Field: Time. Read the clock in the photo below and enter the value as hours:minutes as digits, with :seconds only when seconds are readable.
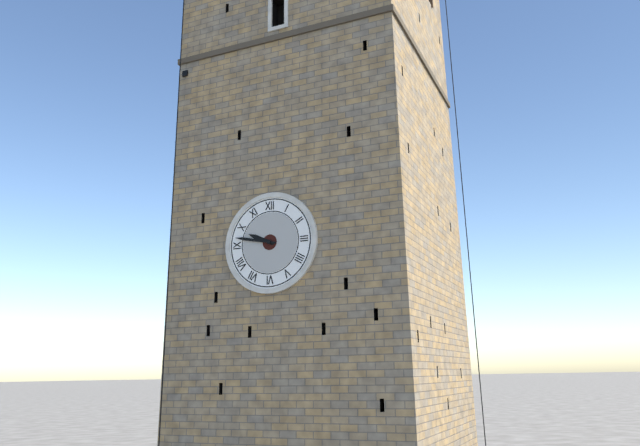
9:47
